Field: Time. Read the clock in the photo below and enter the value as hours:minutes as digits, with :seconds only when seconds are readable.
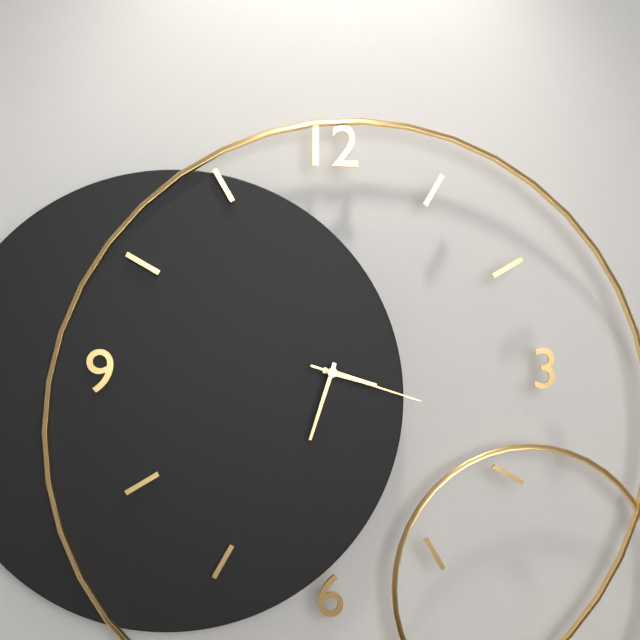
3:33:18
